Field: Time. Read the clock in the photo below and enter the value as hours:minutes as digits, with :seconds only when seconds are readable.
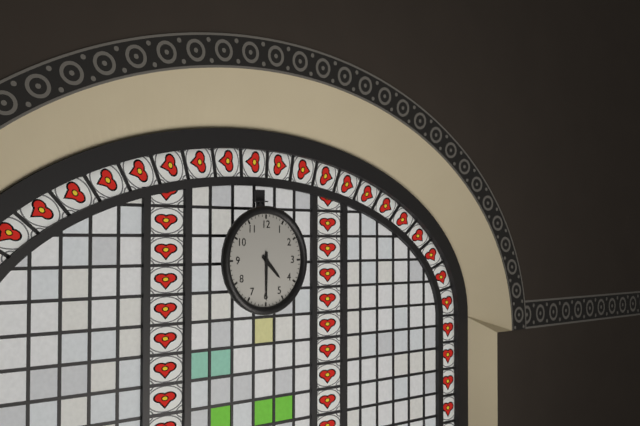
4:30
